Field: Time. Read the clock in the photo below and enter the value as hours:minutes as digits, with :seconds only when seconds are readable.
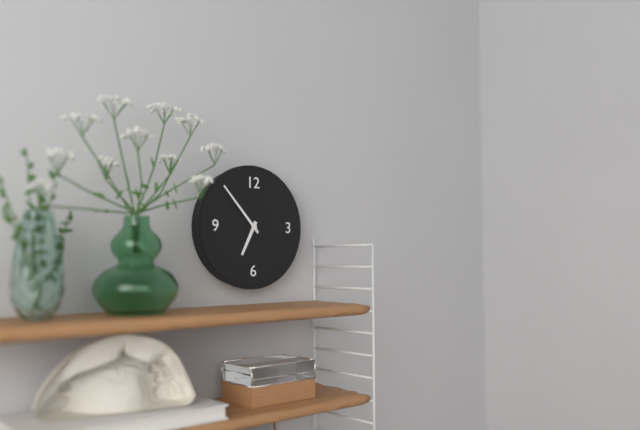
6:53
